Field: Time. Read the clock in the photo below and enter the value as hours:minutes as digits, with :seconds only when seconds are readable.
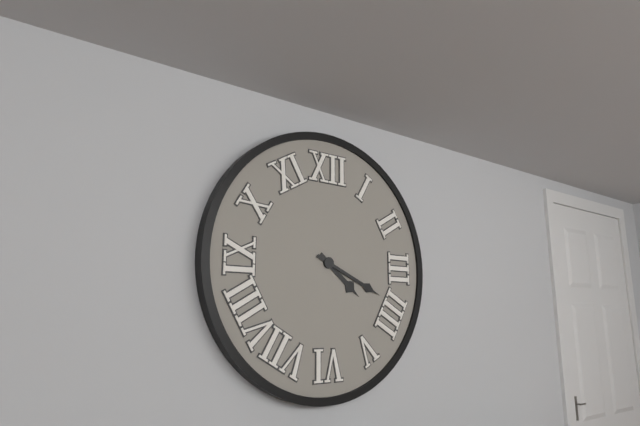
4:19
